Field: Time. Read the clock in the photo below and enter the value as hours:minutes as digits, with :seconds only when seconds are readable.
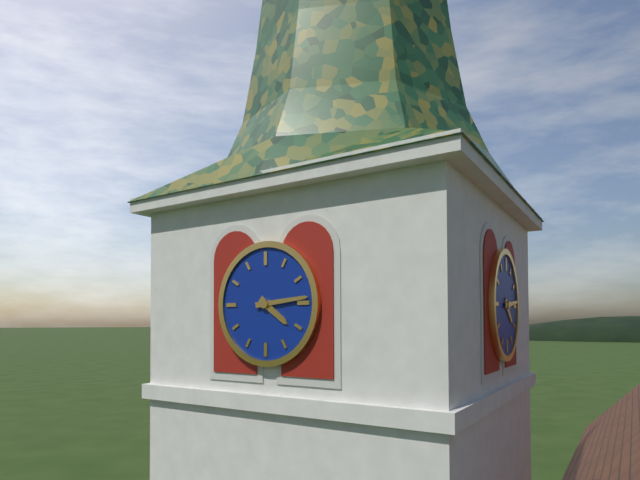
4:14
